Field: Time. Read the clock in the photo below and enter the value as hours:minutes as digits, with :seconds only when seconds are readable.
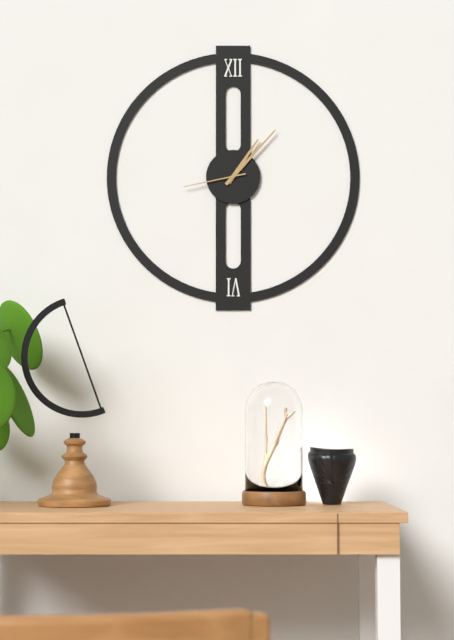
1:07:43
